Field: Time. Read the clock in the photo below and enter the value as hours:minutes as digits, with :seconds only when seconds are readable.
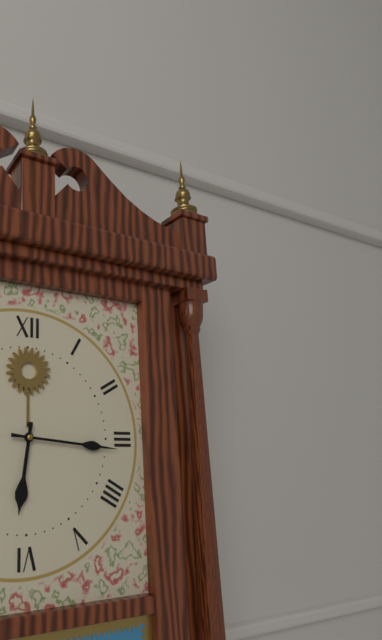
6:16
